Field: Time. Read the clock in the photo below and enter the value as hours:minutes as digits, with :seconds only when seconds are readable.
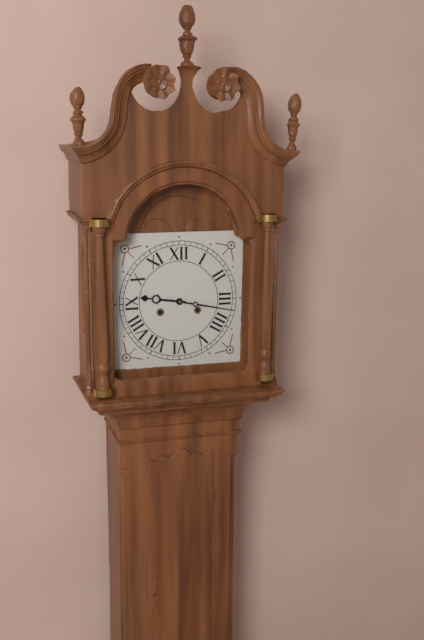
9:17
